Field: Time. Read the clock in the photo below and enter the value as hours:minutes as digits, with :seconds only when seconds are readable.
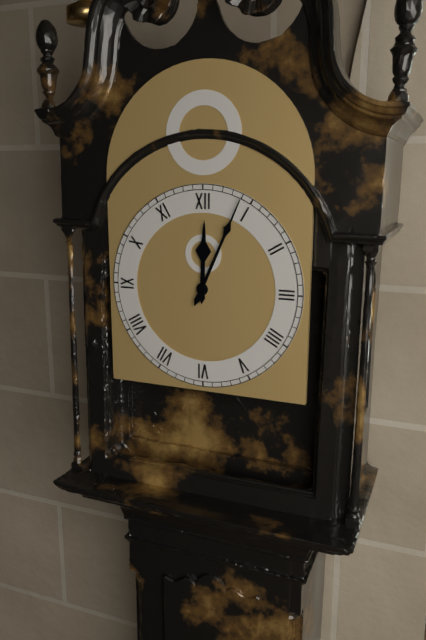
12:04
